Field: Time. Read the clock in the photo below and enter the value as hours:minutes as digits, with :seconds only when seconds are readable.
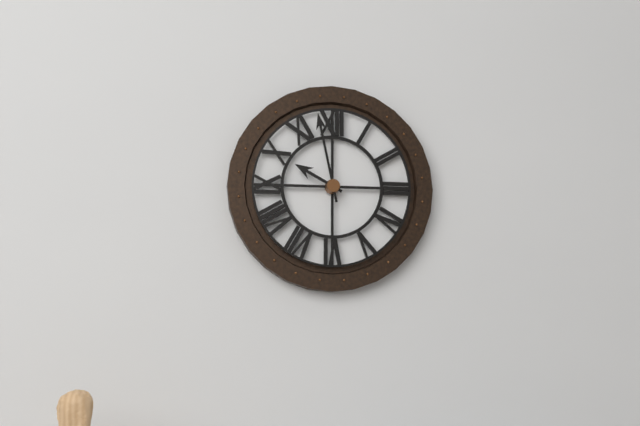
9:58
